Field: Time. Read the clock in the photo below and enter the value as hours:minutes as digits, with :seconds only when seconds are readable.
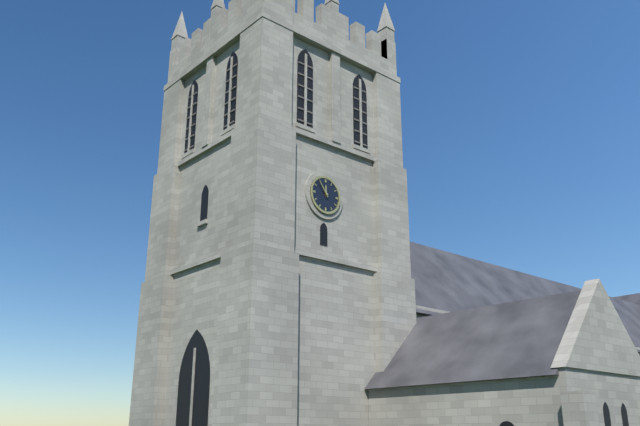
11:54
